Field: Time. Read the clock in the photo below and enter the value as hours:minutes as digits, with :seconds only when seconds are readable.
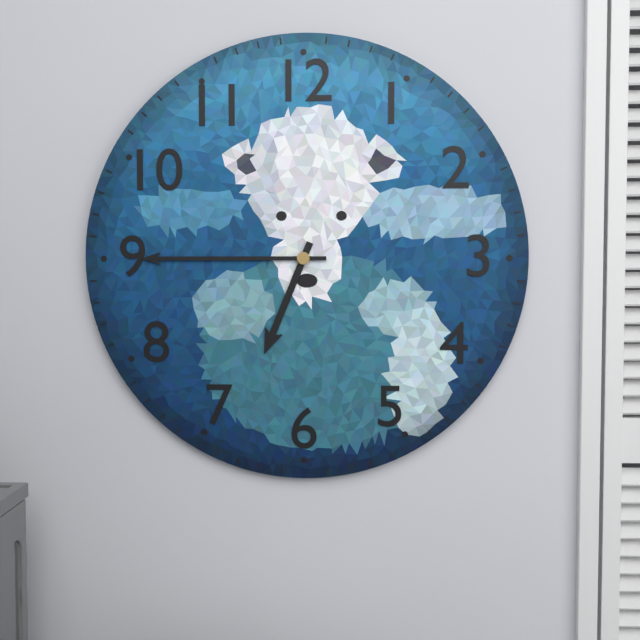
6:45
